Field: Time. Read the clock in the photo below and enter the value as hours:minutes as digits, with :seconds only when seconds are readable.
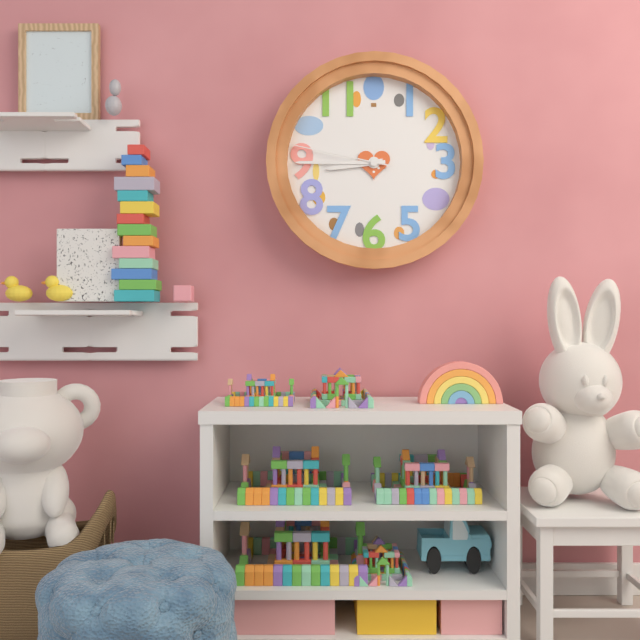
8:45:47
